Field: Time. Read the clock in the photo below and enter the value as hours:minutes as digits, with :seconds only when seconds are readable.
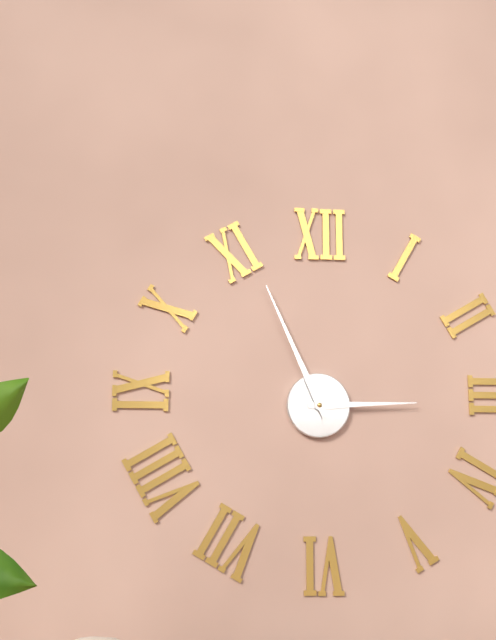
2:56
